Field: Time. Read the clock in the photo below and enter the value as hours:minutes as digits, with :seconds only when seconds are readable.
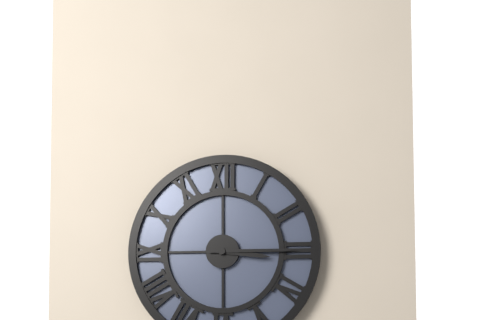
3:15
